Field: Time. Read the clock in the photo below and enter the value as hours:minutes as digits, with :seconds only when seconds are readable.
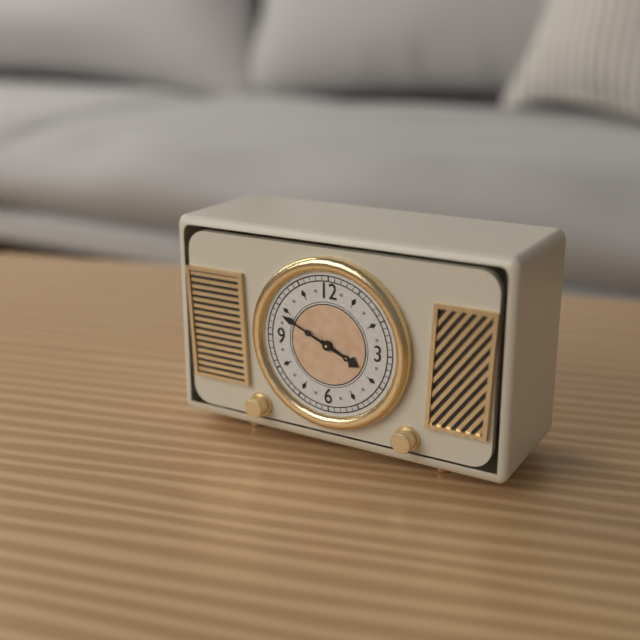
3:49
